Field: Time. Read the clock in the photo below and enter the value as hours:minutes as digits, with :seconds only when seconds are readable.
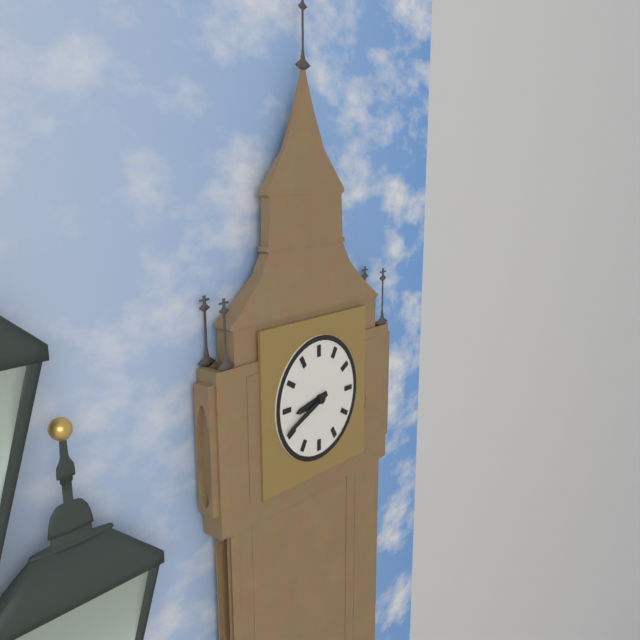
8:41
